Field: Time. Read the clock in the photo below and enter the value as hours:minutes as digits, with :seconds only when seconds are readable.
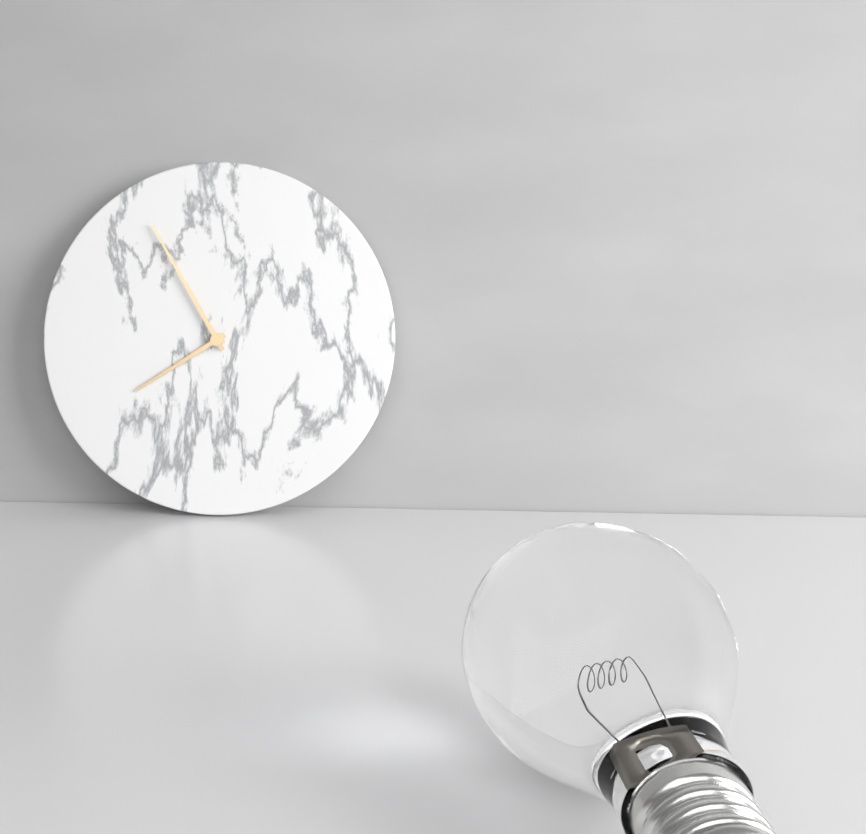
7:55
